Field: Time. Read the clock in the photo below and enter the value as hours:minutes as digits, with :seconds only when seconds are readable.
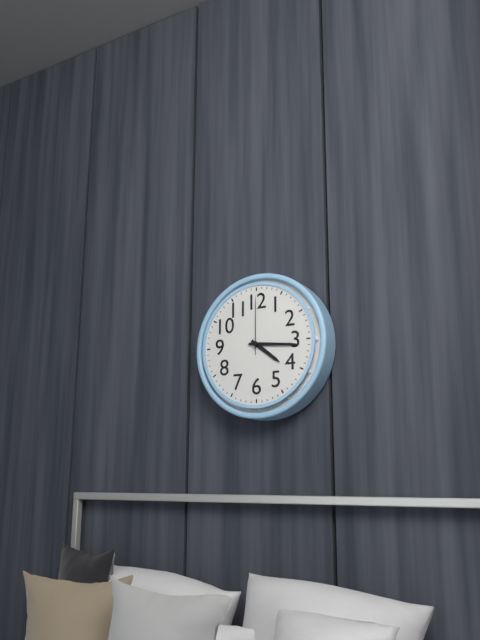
4:16:00
